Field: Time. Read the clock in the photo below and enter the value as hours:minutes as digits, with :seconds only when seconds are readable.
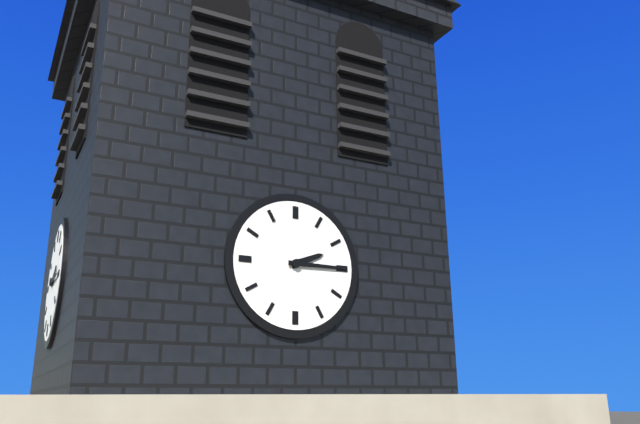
2:15
